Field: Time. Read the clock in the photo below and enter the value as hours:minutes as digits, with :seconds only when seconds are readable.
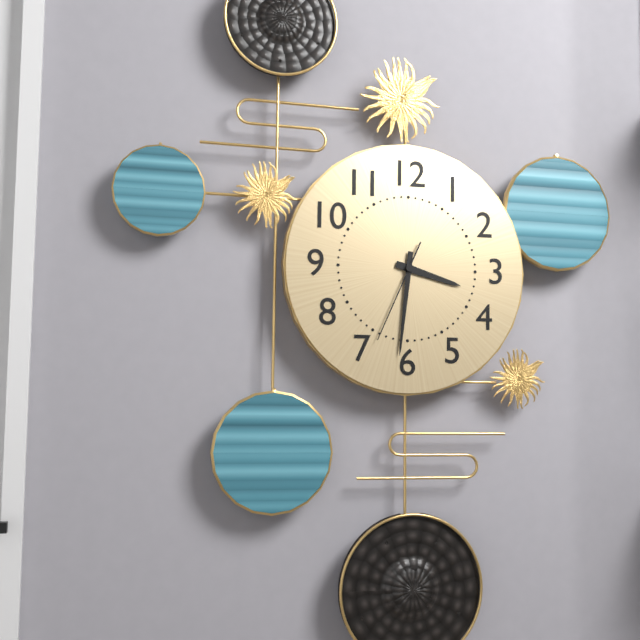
3:31:34
